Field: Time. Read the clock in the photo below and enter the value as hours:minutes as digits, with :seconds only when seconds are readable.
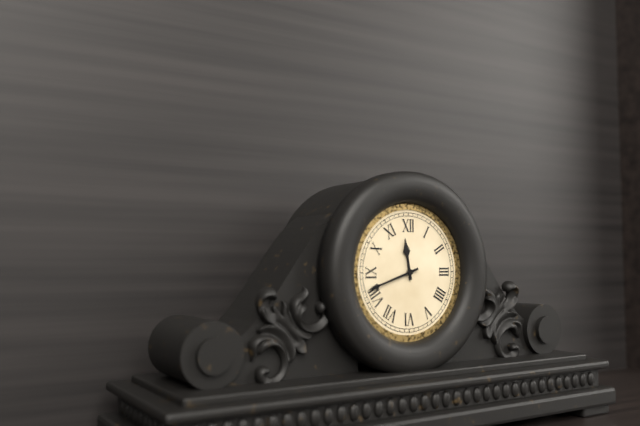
11:42
